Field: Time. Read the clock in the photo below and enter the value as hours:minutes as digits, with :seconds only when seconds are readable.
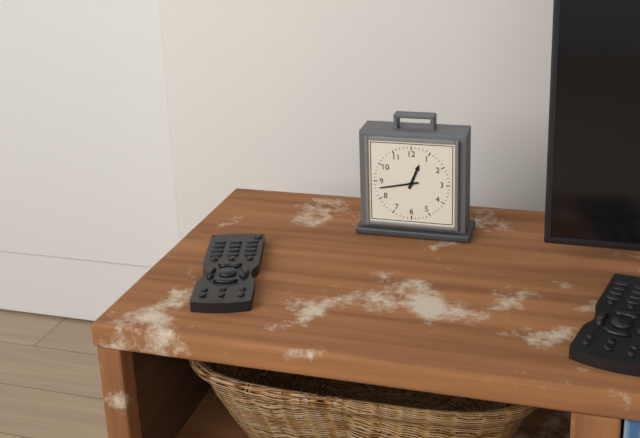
12:43
